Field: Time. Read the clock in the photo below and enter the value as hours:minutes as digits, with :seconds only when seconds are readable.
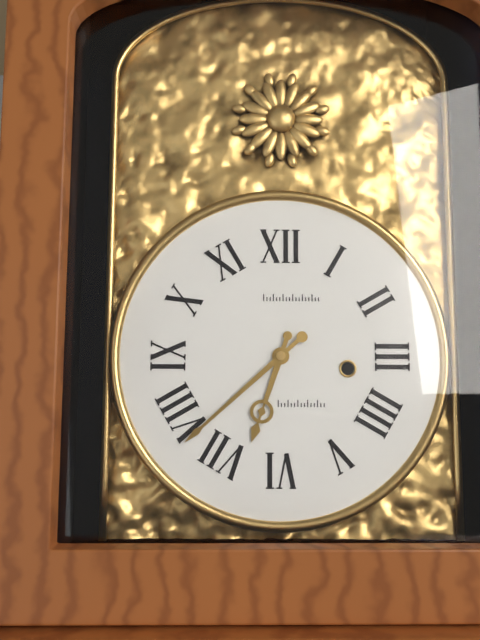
6:38
